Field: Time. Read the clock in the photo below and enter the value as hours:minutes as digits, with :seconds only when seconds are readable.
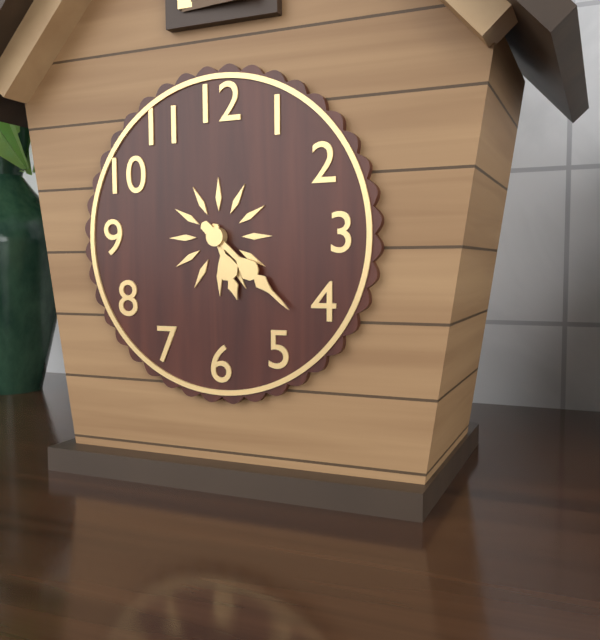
5:22
